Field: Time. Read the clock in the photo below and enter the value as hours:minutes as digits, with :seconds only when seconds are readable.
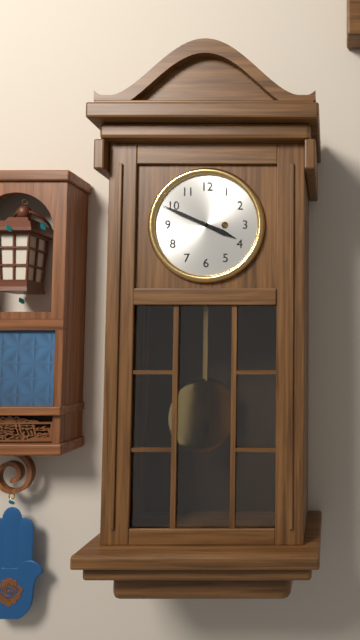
3:49
